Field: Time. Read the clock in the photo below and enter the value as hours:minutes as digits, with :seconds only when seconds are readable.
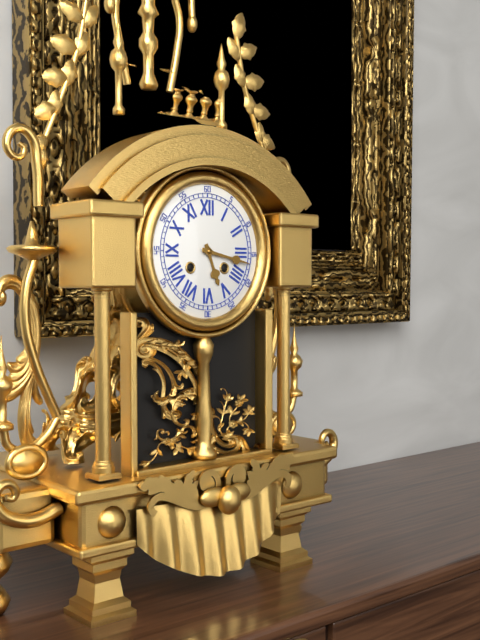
5:17
